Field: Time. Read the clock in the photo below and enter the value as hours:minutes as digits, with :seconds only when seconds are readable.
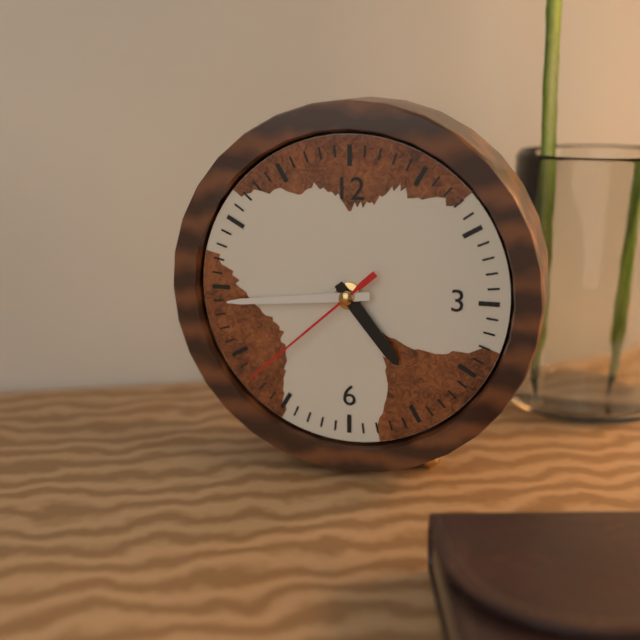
4:44:38
